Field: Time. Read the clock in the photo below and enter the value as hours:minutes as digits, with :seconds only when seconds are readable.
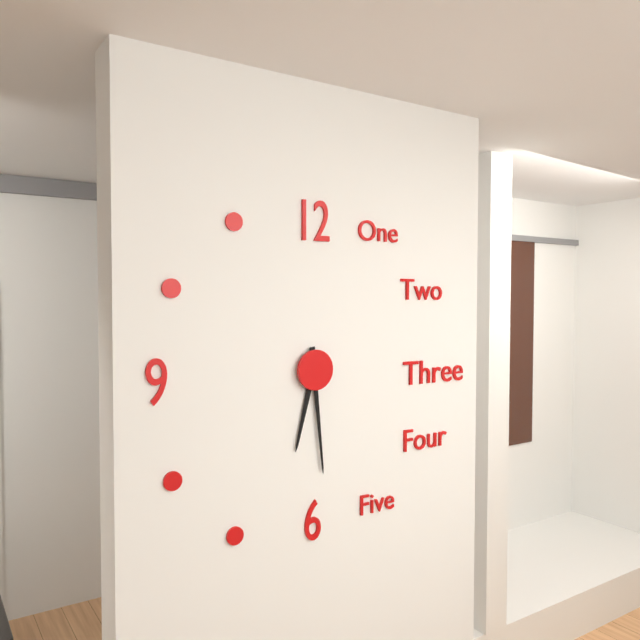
6:29
